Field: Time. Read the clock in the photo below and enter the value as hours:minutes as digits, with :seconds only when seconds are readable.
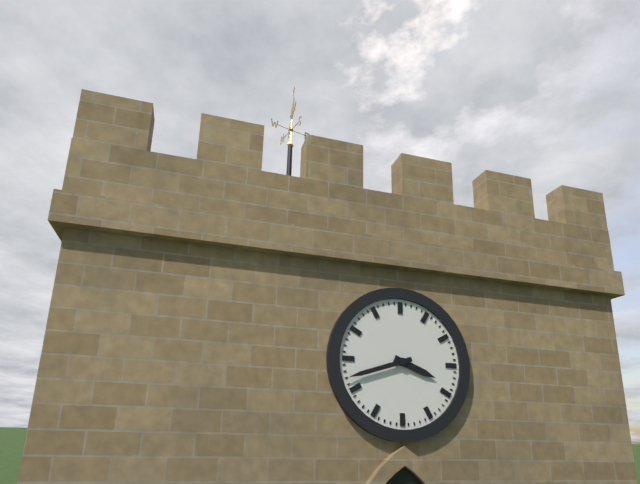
3:42
